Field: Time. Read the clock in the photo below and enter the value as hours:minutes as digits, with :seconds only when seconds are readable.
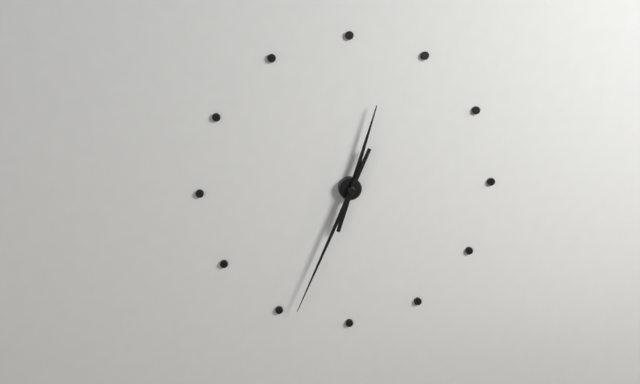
12:34
